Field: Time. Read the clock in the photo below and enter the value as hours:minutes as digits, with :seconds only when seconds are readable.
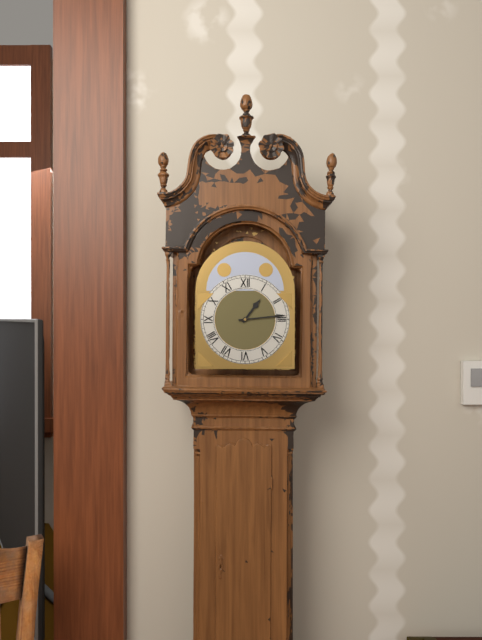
1:14
